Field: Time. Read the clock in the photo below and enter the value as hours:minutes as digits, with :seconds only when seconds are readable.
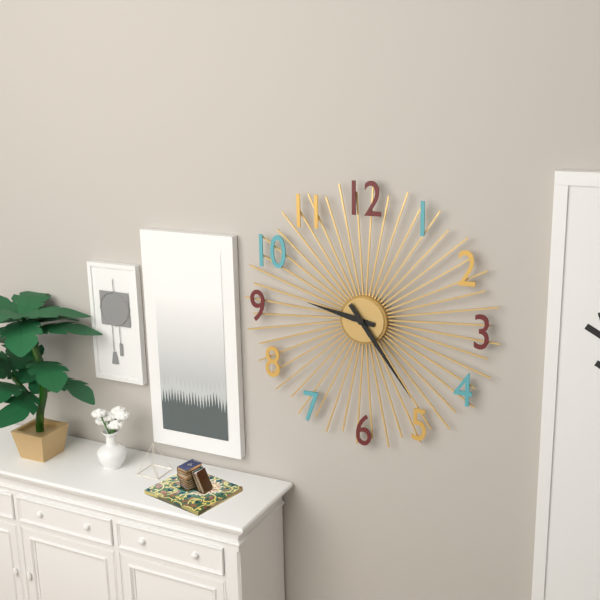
9:24
